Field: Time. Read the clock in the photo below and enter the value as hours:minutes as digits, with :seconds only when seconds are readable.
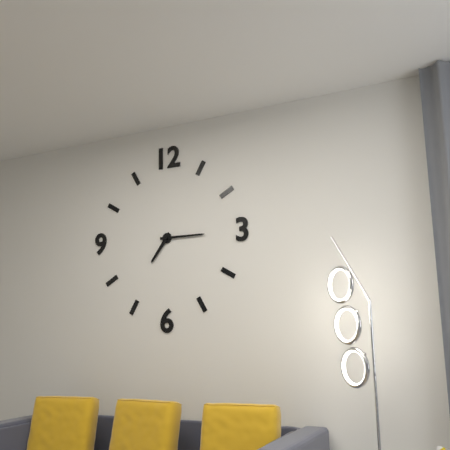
7:15
